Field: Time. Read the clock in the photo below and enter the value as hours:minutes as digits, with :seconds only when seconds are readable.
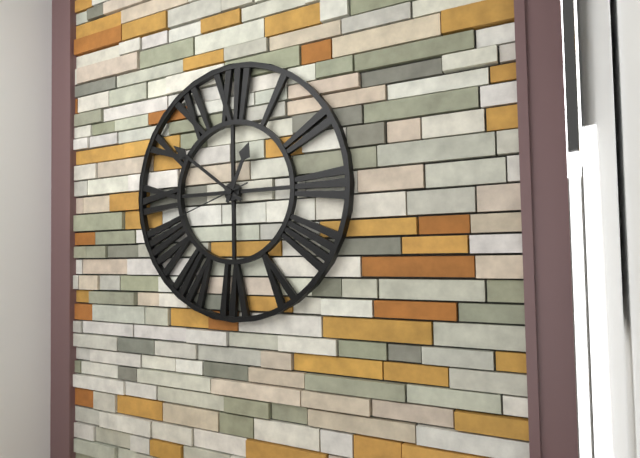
12:51:42
